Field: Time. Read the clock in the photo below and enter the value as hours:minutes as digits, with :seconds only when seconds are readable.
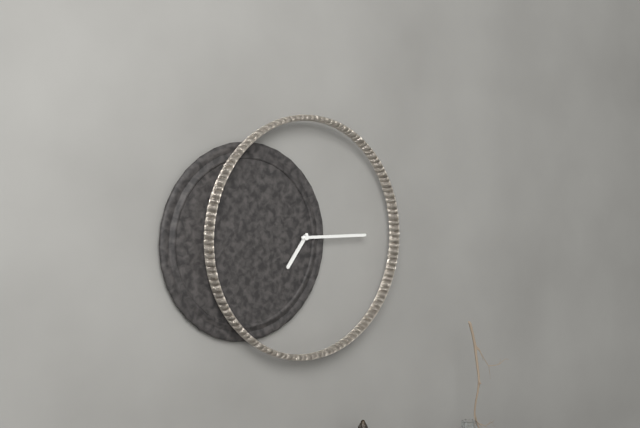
7:15
